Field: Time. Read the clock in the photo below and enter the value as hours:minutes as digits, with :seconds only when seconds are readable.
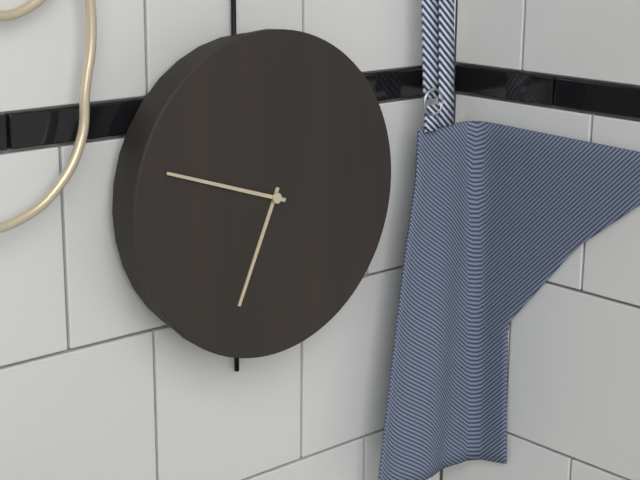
6:48
